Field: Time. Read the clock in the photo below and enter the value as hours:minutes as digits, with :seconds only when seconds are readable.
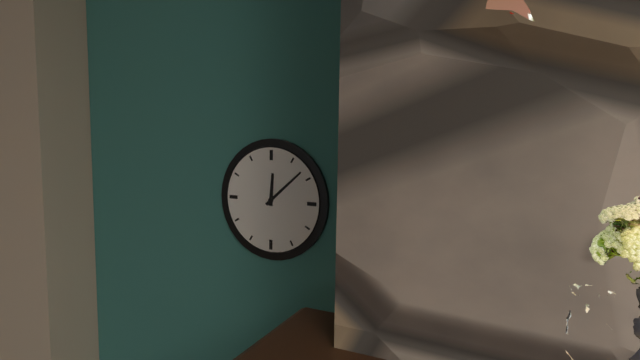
12:08
